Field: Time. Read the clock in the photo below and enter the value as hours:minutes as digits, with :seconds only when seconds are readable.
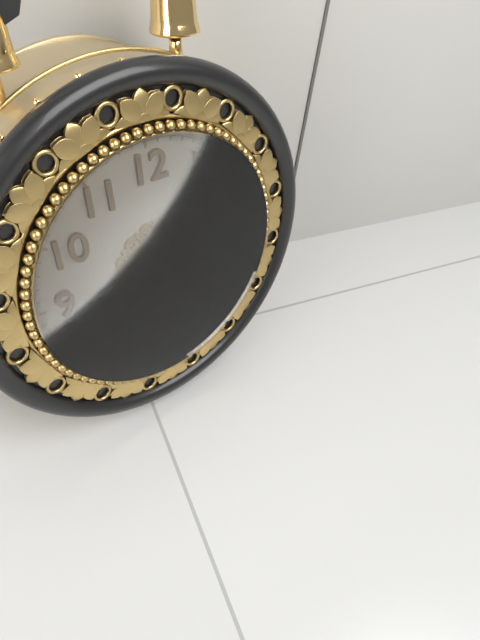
11:34:15
